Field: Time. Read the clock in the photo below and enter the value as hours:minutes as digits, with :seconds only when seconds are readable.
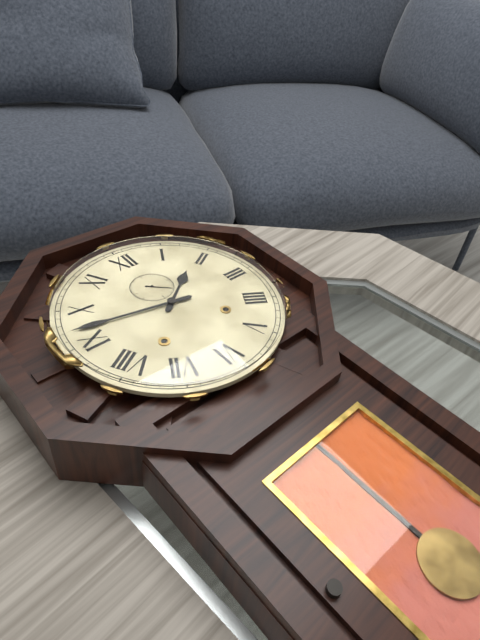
1:47:22
